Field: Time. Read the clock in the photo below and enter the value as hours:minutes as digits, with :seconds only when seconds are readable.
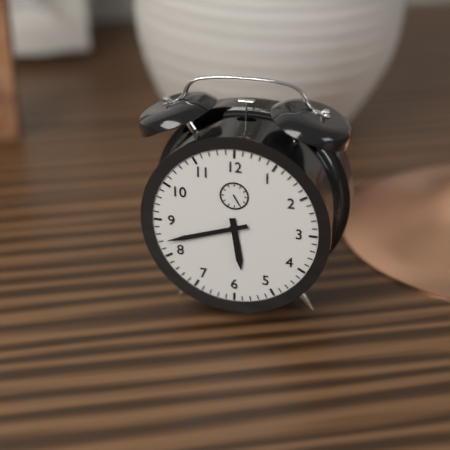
5:42
